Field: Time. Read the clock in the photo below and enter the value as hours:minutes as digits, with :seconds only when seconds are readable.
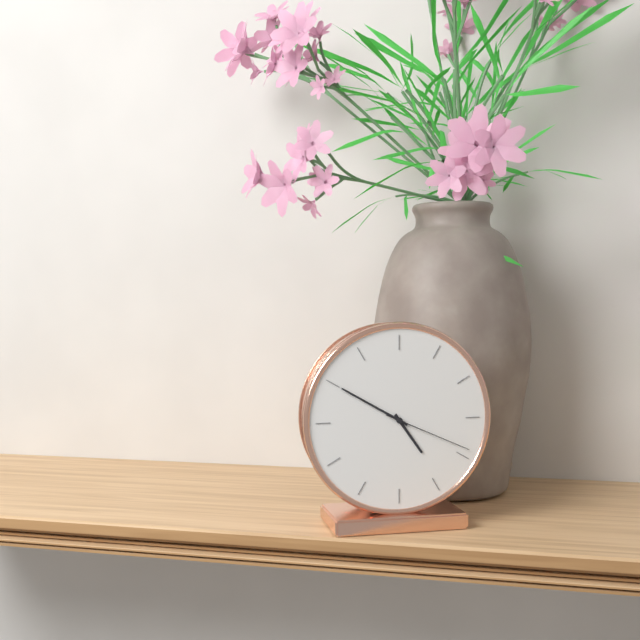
4:50:19
